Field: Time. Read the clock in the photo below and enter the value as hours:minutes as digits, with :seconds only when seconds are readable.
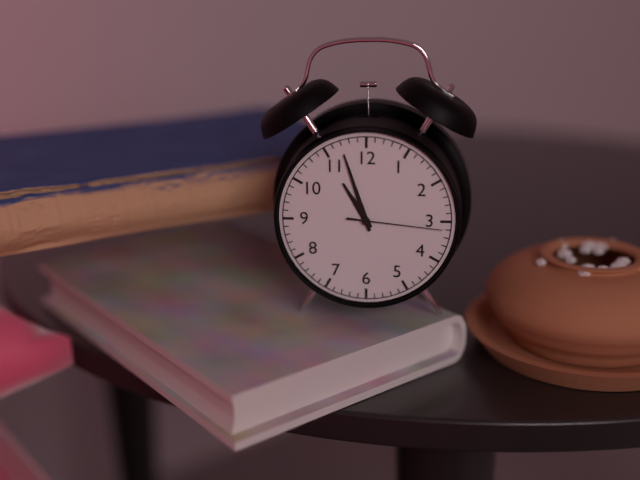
10:57:16
